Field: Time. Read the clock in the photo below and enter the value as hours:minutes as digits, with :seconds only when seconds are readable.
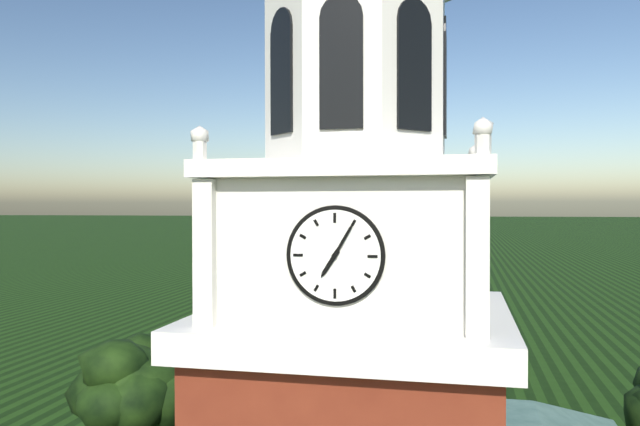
7:05
